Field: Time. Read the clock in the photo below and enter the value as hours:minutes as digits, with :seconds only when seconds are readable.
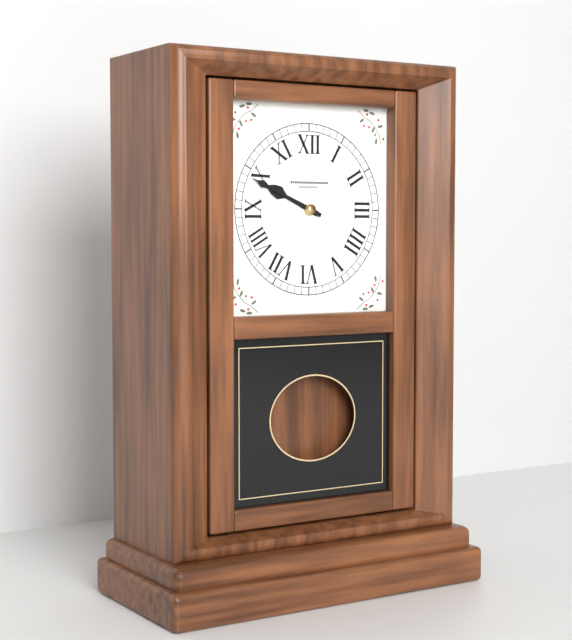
9:49
